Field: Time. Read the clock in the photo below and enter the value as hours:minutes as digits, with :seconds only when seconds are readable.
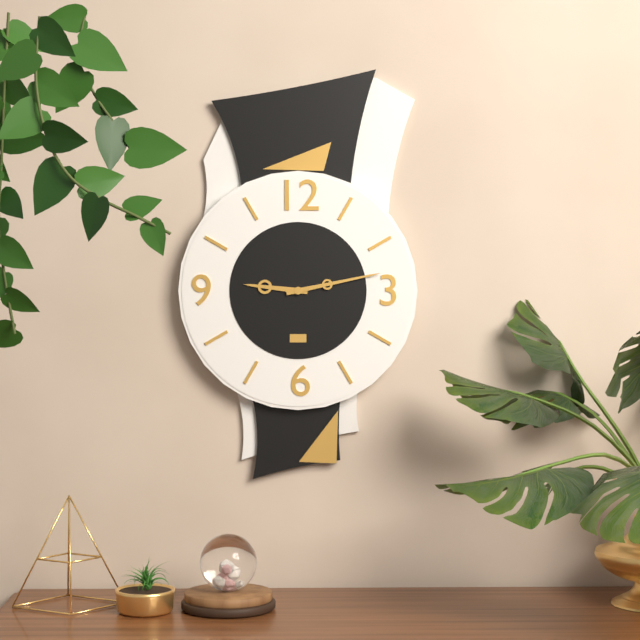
9:13
